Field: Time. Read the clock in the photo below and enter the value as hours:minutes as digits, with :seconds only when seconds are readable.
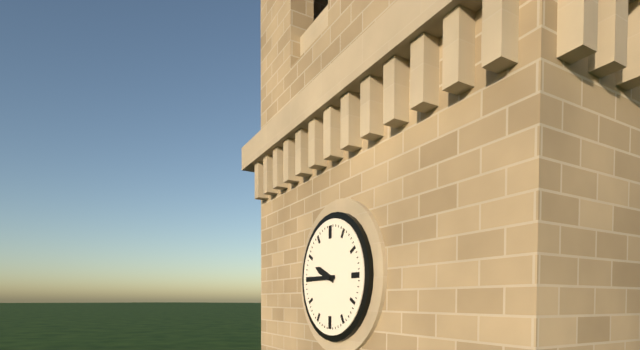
9:45
